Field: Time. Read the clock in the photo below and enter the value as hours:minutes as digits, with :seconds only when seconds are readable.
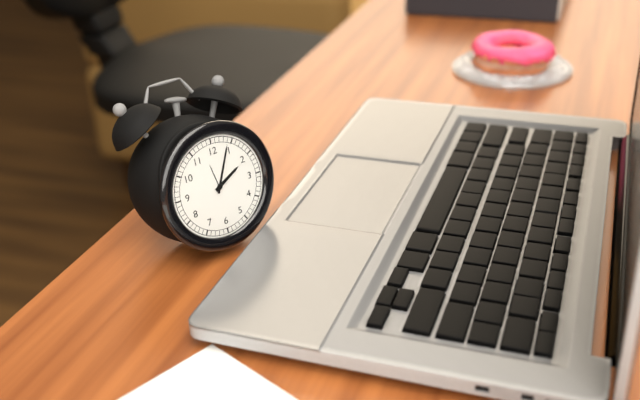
2:04
